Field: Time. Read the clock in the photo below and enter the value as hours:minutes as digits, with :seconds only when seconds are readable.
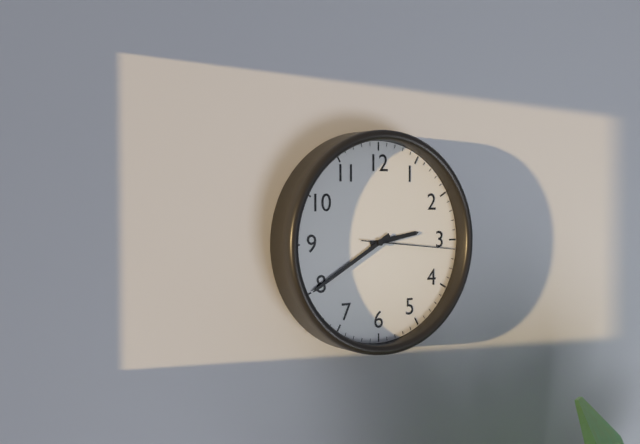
2:40:16
